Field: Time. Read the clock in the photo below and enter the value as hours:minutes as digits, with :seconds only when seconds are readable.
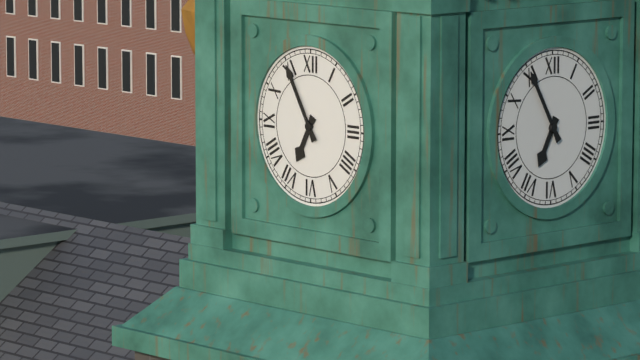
6:55
